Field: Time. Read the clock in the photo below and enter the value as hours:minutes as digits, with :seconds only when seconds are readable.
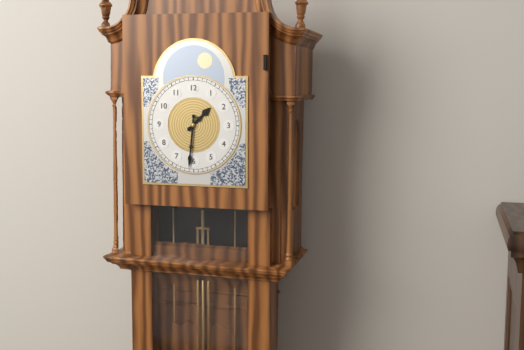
1:31
